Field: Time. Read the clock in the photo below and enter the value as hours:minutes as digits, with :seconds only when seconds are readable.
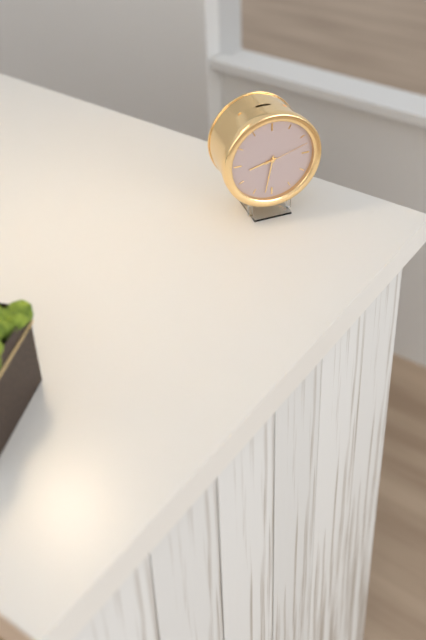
8:32:12
